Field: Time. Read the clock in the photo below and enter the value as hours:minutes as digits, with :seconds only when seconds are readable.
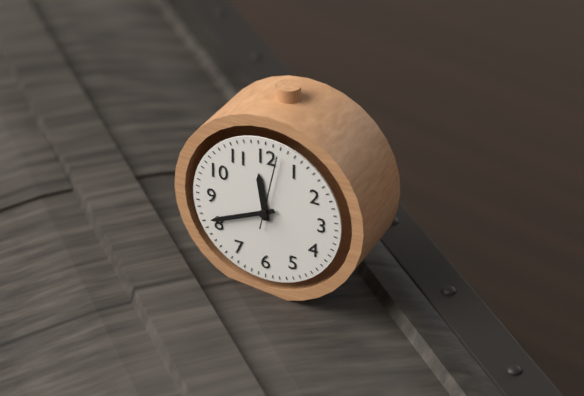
11:41:02
